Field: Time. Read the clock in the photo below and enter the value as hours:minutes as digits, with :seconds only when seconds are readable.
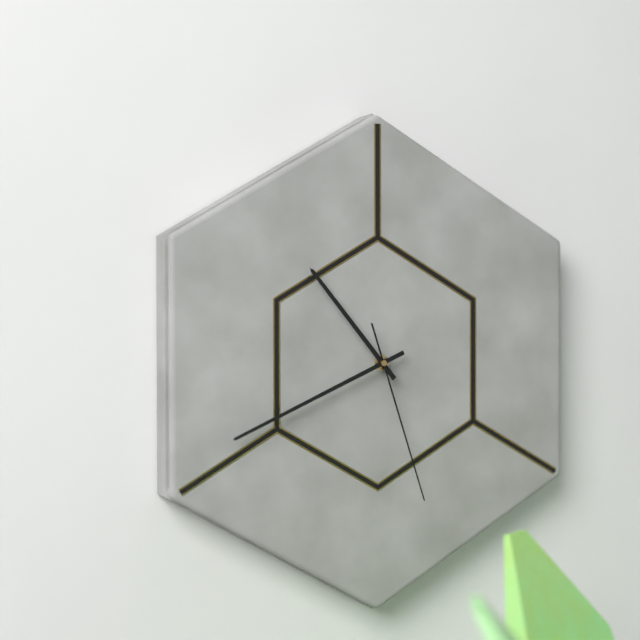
10:41:27
